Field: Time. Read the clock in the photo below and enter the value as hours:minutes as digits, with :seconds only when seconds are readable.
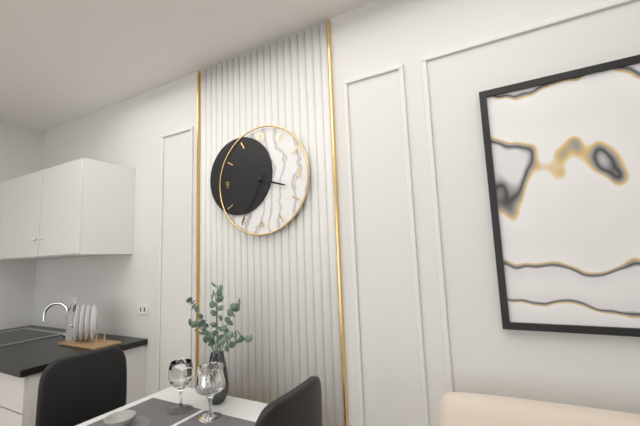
3:35
